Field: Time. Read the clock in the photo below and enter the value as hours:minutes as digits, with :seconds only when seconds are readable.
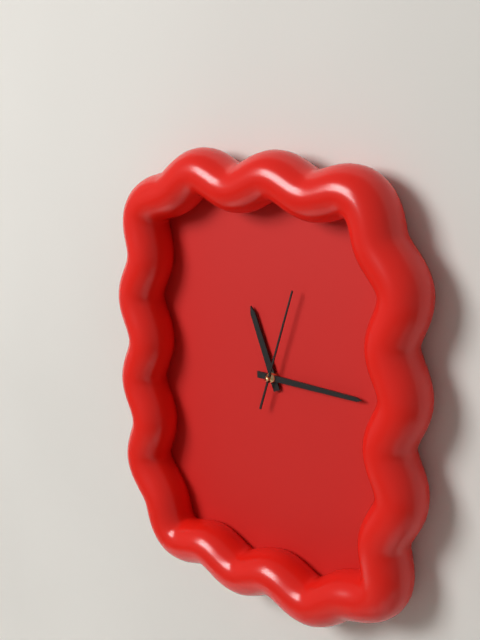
11:15:03
